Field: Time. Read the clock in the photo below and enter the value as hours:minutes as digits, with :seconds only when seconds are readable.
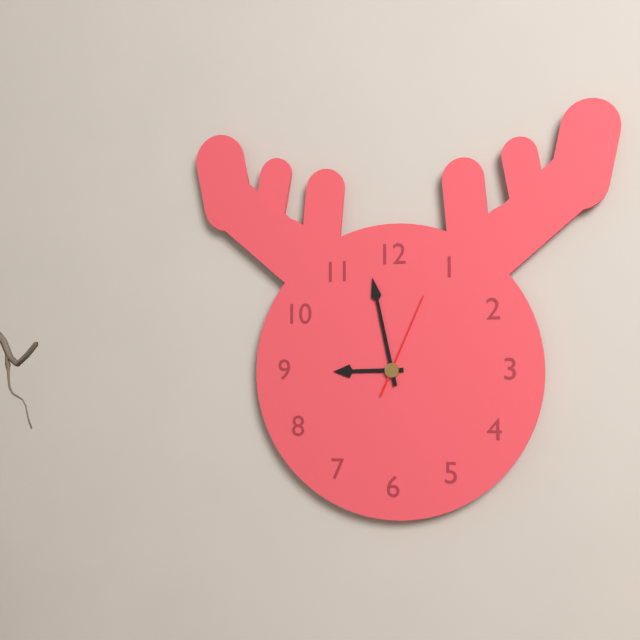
8:58:04
